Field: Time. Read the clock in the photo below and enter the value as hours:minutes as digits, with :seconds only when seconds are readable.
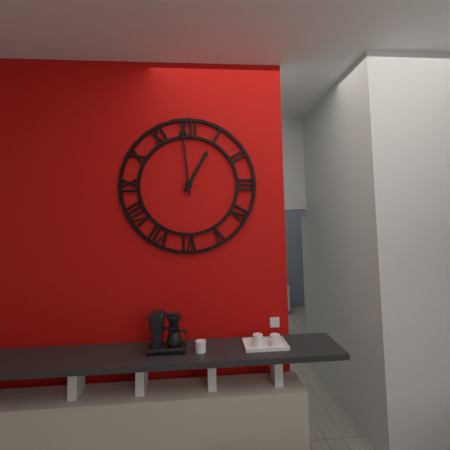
12:59
